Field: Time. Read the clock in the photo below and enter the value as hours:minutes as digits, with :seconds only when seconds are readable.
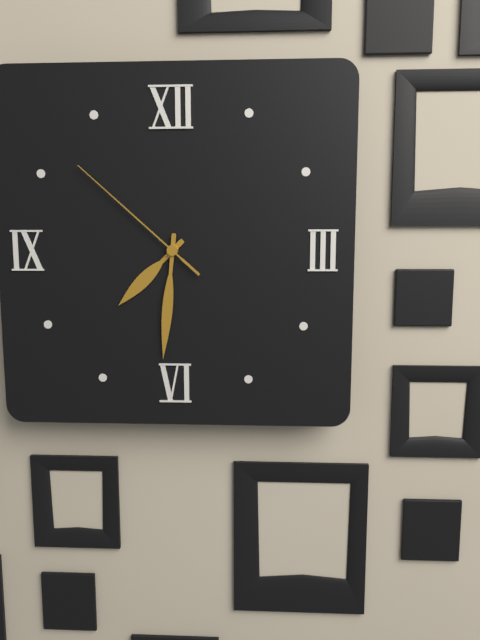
7:31:52
